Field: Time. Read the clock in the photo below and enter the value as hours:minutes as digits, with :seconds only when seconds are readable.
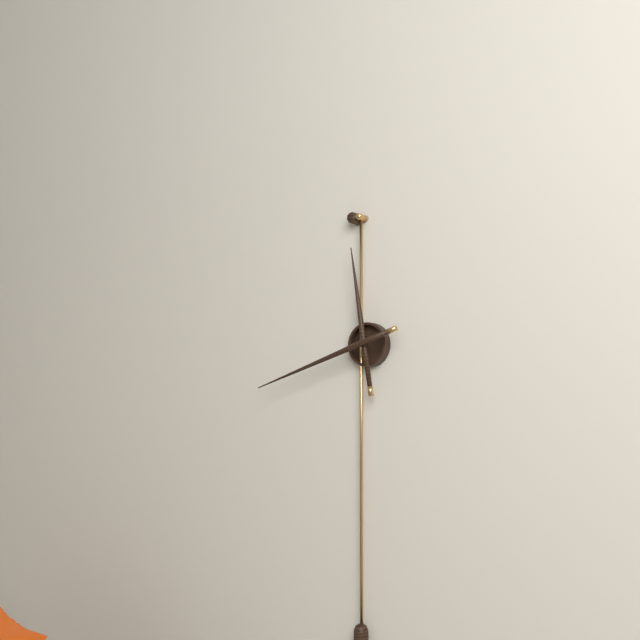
11:42
